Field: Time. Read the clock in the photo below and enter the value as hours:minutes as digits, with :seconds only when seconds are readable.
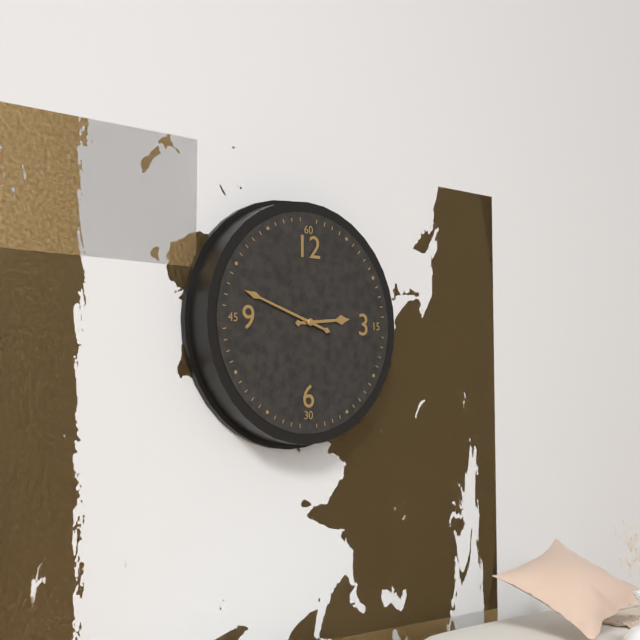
2:48
